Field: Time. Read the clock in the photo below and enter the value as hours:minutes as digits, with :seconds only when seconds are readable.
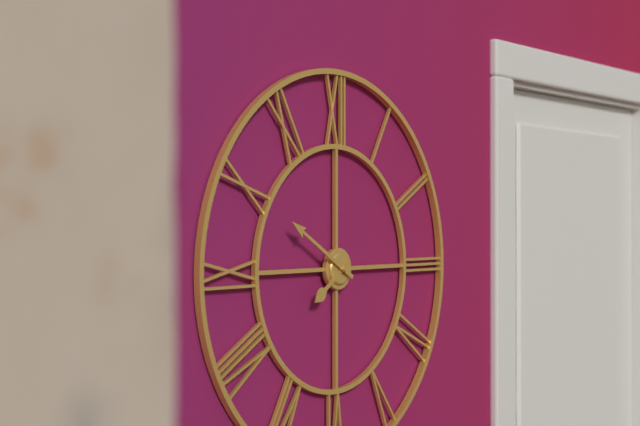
7:50
